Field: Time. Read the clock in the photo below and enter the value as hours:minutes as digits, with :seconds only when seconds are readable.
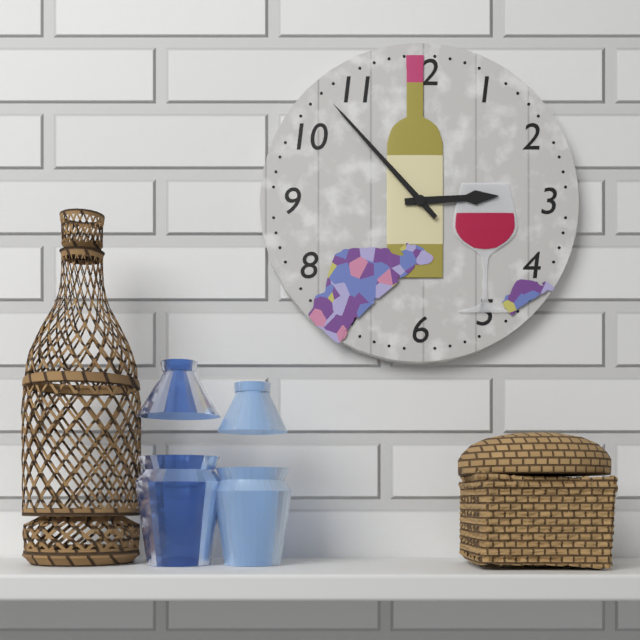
2:53
